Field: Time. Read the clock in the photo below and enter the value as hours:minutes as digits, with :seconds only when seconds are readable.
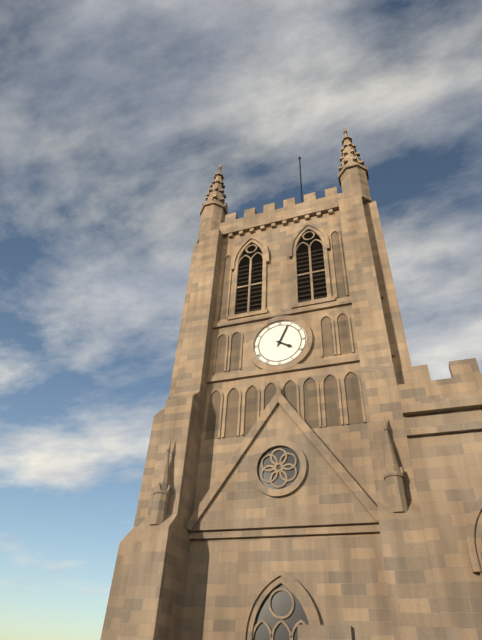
4:04
